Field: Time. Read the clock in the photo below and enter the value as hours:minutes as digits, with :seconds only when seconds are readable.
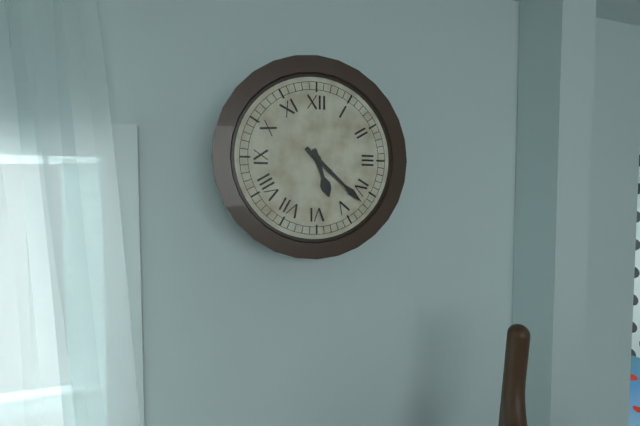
5:22
